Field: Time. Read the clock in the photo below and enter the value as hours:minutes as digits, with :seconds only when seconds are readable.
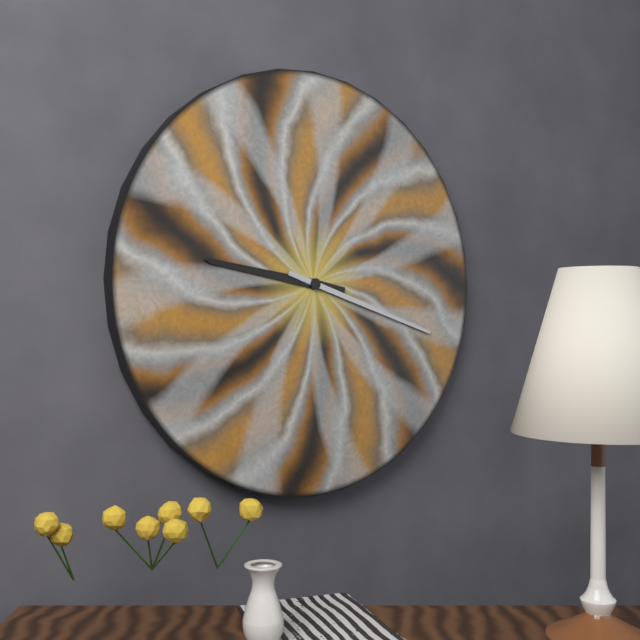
9:18
